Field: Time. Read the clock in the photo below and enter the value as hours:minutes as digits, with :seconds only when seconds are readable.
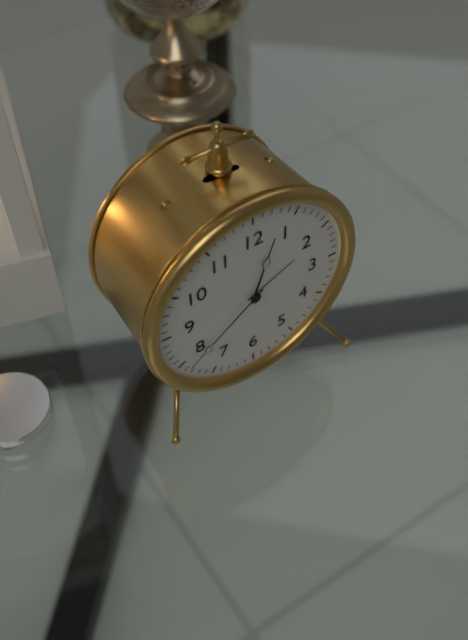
12:39
